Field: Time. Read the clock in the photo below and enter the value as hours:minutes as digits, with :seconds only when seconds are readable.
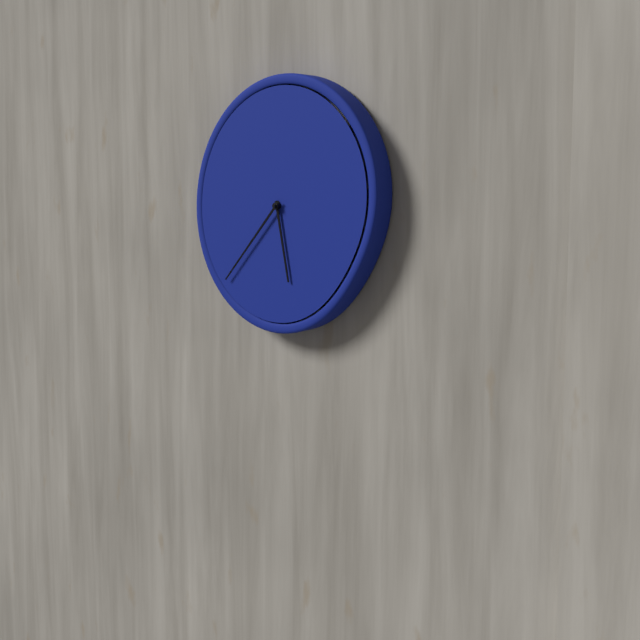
5:37
